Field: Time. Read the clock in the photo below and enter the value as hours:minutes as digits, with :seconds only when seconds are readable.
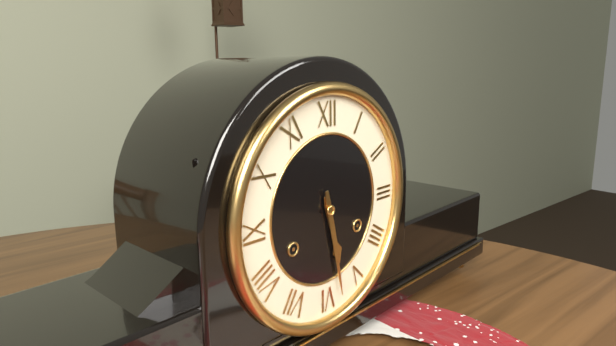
5:28
